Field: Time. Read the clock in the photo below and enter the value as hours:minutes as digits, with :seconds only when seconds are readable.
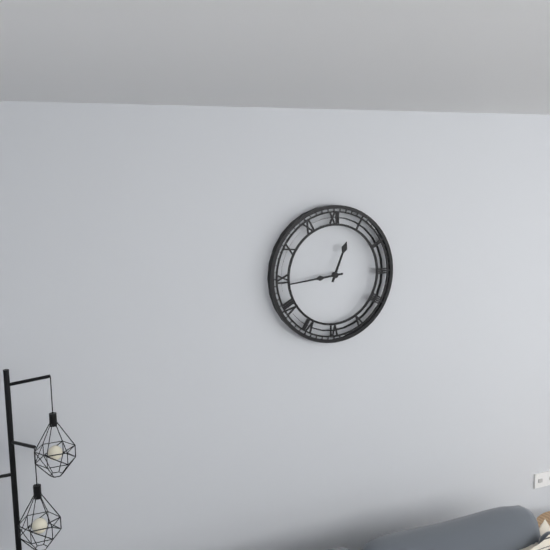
12:44
